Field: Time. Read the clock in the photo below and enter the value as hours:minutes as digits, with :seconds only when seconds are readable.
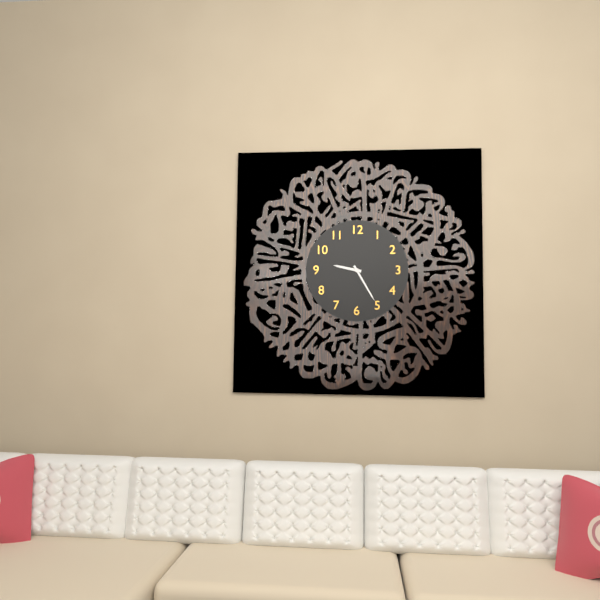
9:25
